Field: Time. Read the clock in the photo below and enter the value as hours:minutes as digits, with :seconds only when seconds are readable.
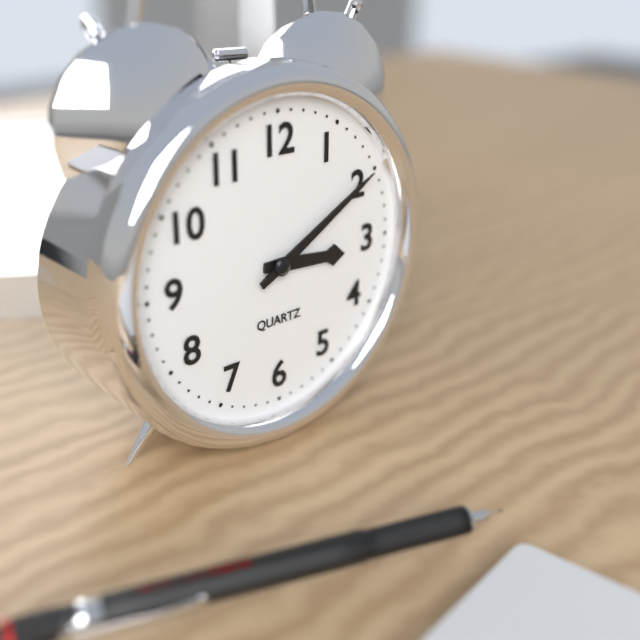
3:10
